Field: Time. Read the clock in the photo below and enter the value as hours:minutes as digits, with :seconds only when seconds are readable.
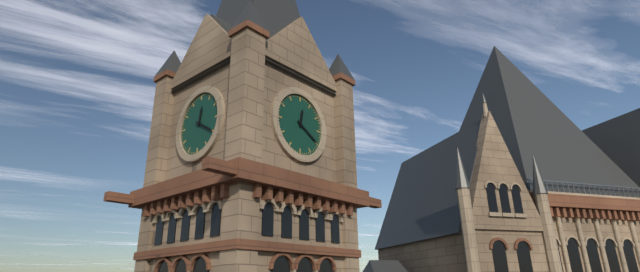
12:20
